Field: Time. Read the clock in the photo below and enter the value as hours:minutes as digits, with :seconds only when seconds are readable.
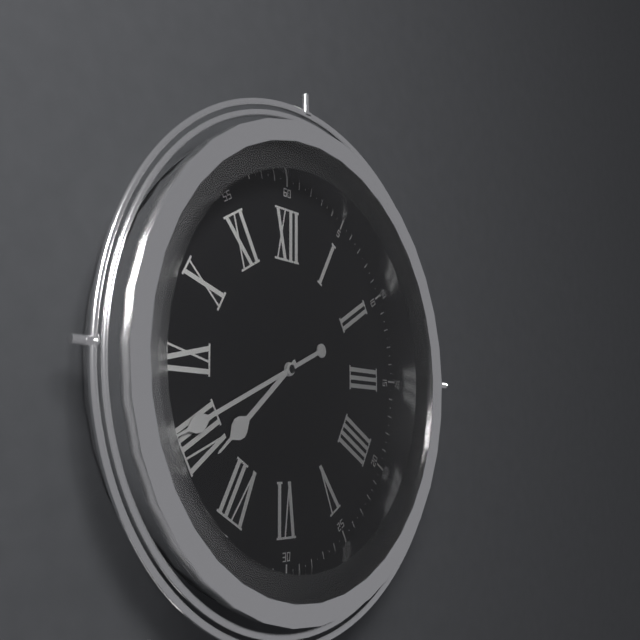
7:41
